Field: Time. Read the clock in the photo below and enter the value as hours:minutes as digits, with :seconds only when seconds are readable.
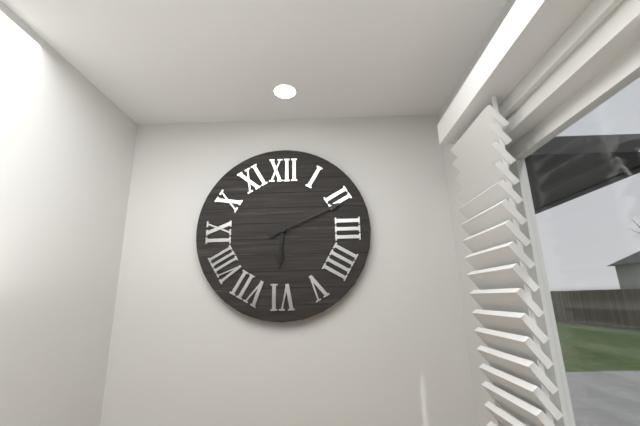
6:11
